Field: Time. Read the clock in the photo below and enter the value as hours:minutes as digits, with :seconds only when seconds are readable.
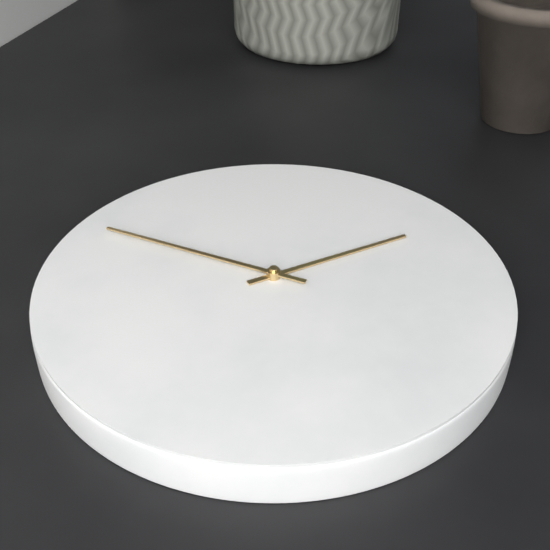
2:53
